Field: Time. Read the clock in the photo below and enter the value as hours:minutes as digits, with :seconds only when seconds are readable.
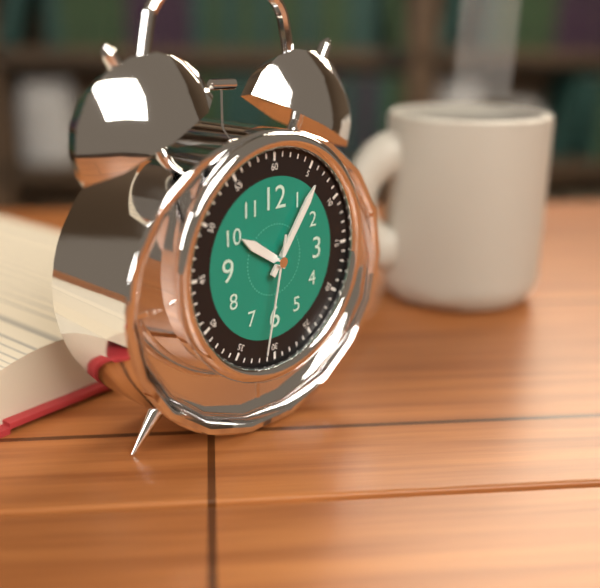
10:06:32
